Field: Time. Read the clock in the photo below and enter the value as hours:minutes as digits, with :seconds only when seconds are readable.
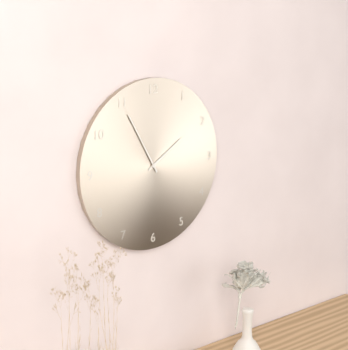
1:55
